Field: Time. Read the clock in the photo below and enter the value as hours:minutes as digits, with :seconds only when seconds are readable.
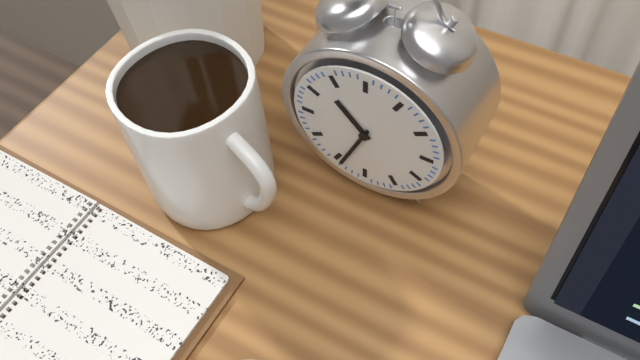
10:34
